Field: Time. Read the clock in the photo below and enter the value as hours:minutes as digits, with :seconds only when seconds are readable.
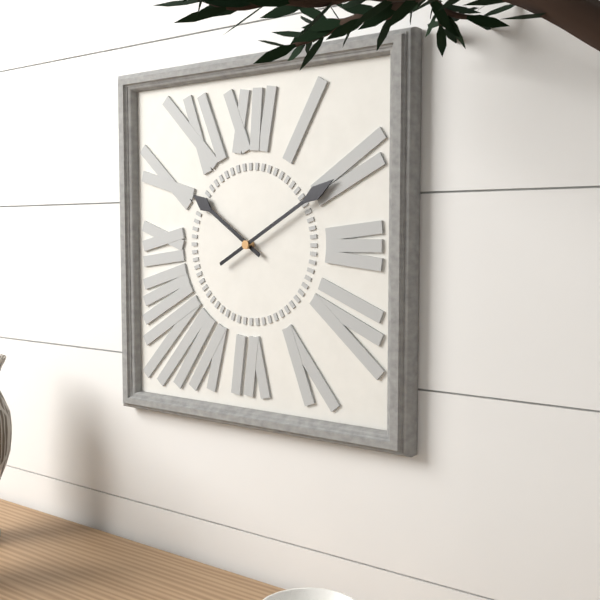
10:10
